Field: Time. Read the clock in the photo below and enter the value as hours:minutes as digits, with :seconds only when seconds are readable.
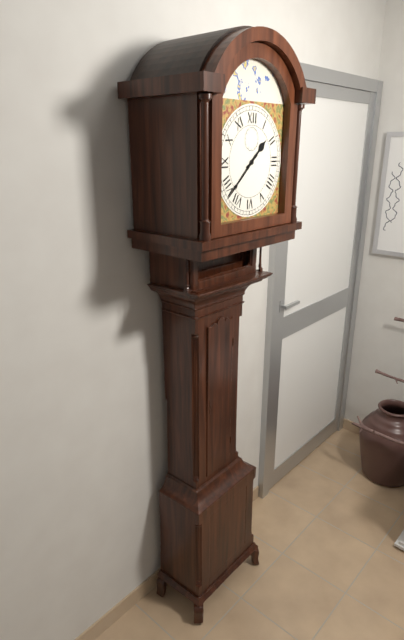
1:38
